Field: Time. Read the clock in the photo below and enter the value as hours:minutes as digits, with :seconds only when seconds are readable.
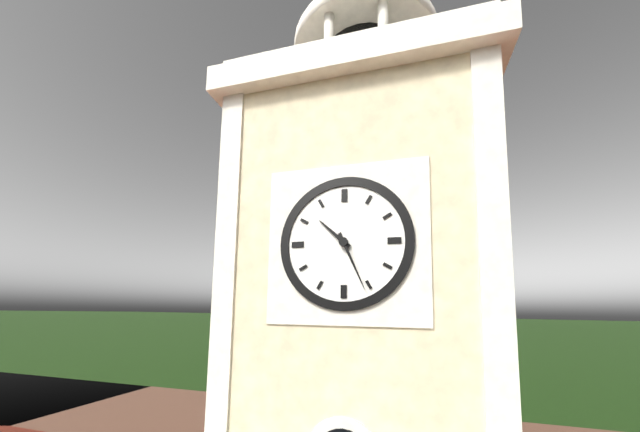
10:26
